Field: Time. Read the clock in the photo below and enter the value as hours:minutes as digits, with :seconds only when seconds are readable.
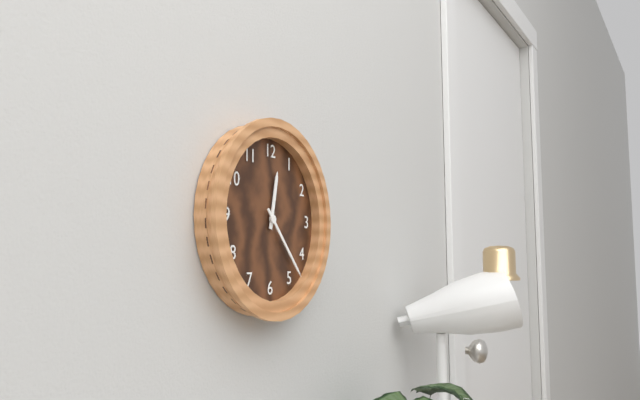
12:23
